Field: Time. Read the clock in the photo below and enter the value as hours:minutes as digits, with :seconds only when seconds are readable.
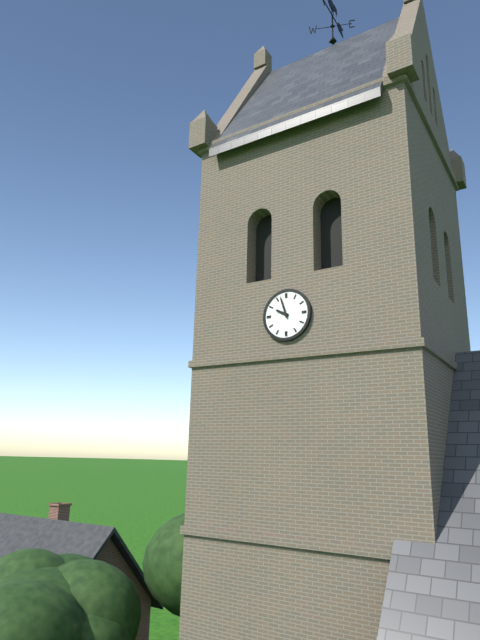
9:57
